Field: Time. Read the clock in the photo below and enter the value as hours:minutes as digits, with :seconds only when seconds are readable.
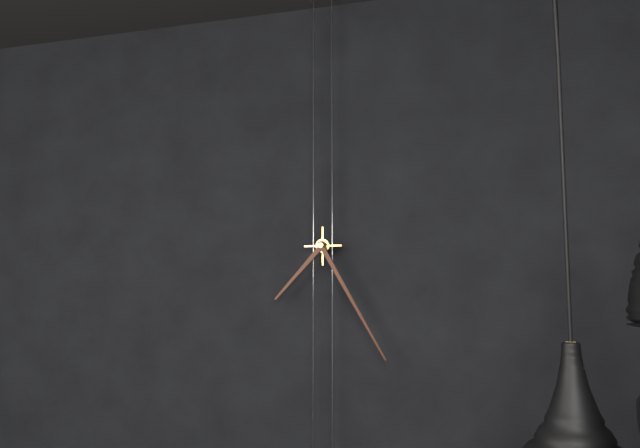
7:25
